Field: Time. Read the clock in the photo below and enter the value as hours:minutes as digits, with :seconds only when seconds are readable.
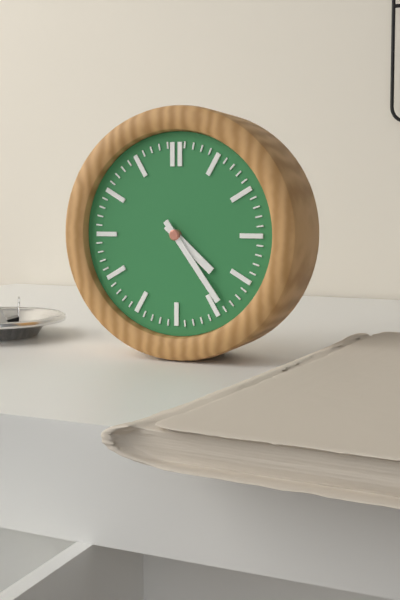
4:24
